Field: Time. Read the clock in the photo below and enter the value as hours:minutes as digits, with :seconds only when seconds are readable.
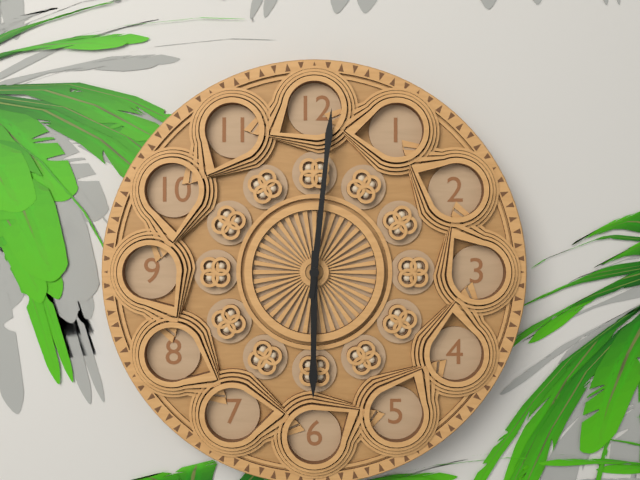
6:01
